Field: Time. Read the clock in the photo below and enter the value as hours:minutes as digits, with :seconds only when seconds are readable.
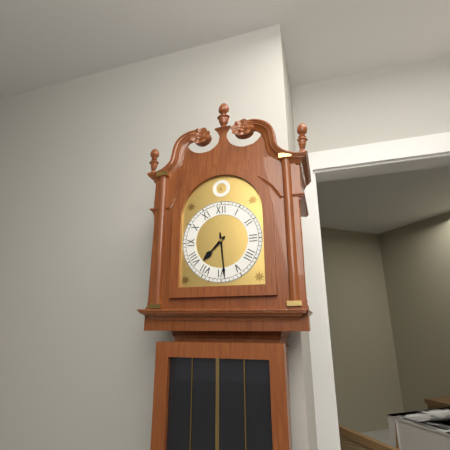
7:29
